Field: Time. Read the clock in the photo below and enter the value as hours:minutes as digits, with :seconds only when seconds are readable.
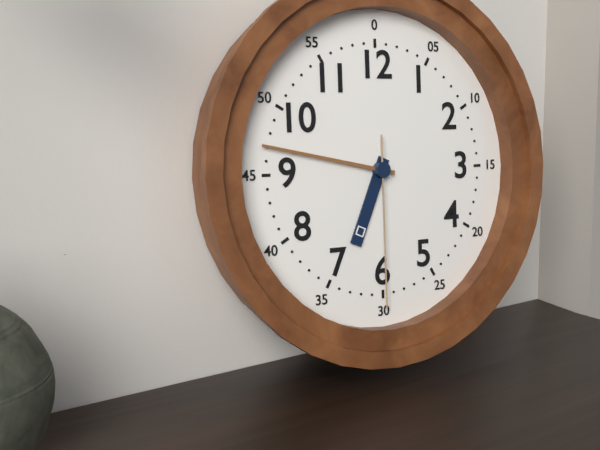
6:47:30
